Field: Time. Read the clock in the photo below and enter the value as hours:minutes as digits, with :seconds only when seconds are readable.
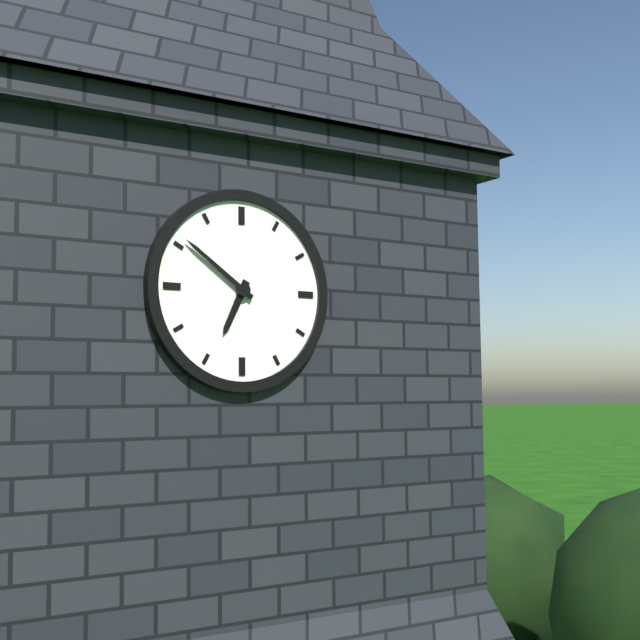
6:51
